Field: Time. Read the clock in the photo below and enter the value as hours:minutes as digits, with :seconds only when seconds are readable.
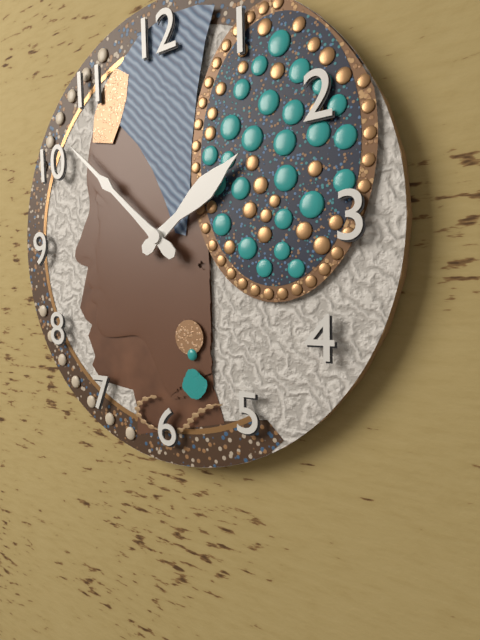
1:52
